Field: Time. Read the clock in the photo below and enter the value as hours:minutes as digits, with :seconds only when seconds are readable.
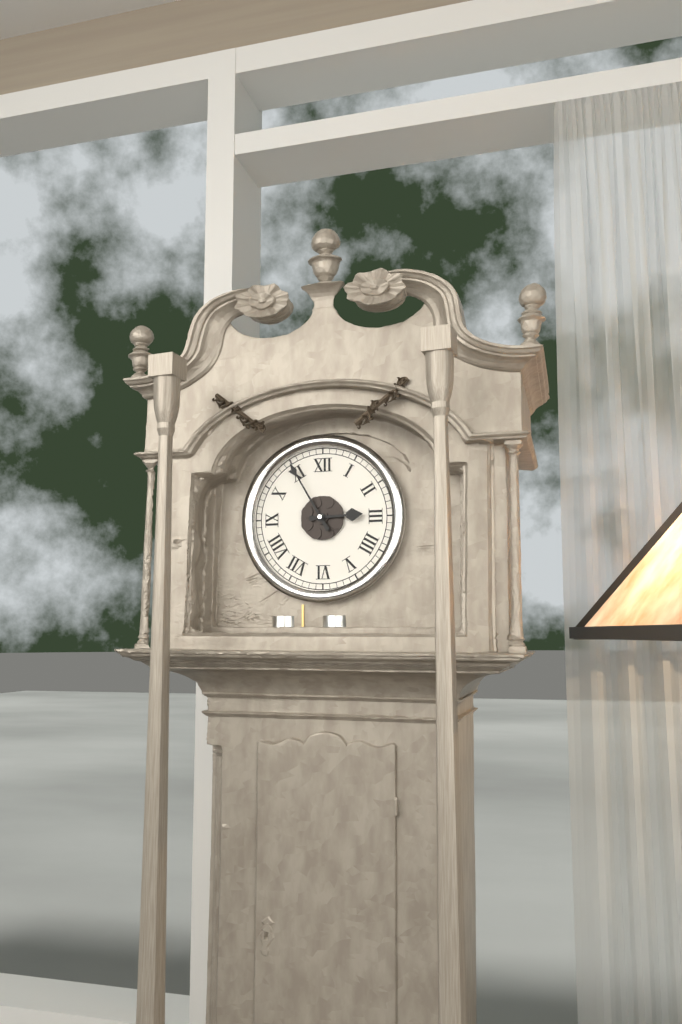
2:55
